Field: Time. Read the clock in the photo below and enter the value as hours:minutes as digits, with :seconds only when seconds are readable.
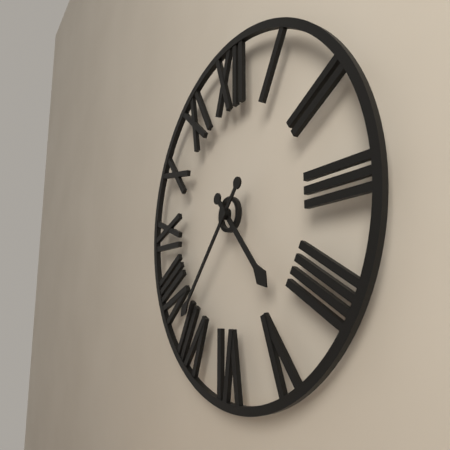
4:37
